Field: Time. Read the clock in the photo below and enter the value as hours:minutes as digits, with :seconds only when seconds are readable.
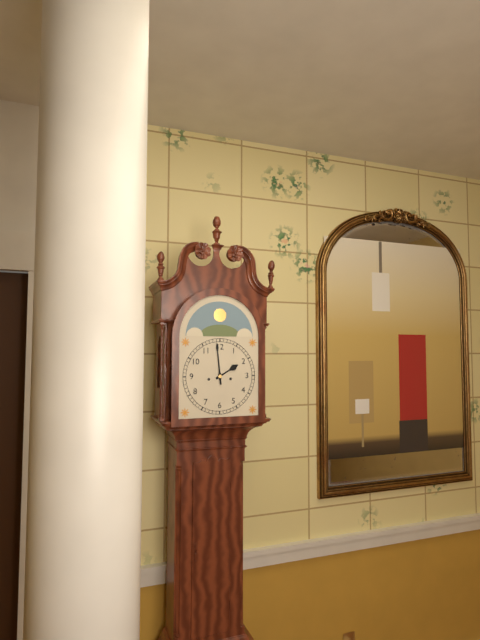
1:59
